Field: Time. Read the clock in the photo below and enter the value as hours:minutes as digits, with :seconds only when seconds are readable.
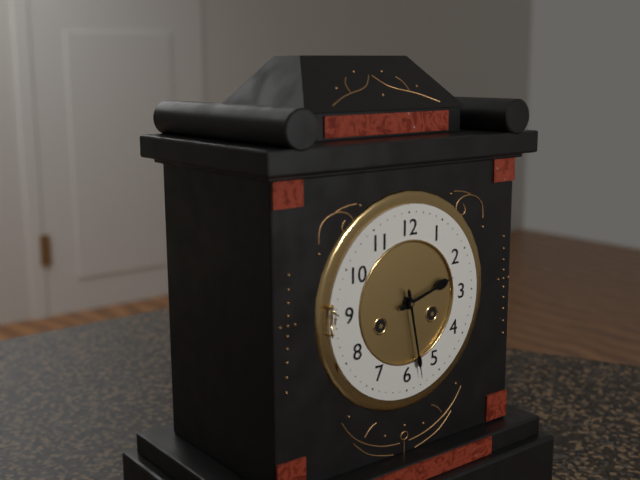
2:28
